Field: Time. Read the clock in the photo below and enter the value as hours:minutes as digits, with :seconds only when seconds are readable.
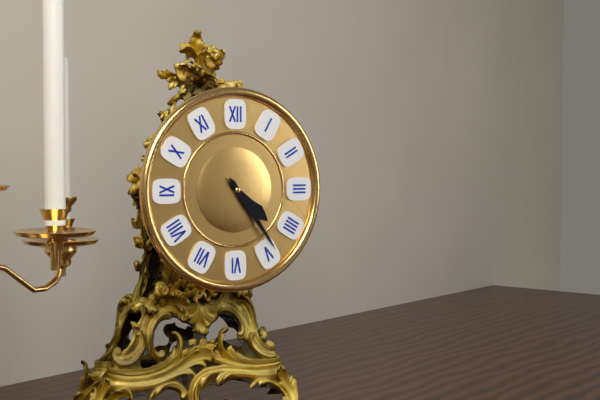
4:24
